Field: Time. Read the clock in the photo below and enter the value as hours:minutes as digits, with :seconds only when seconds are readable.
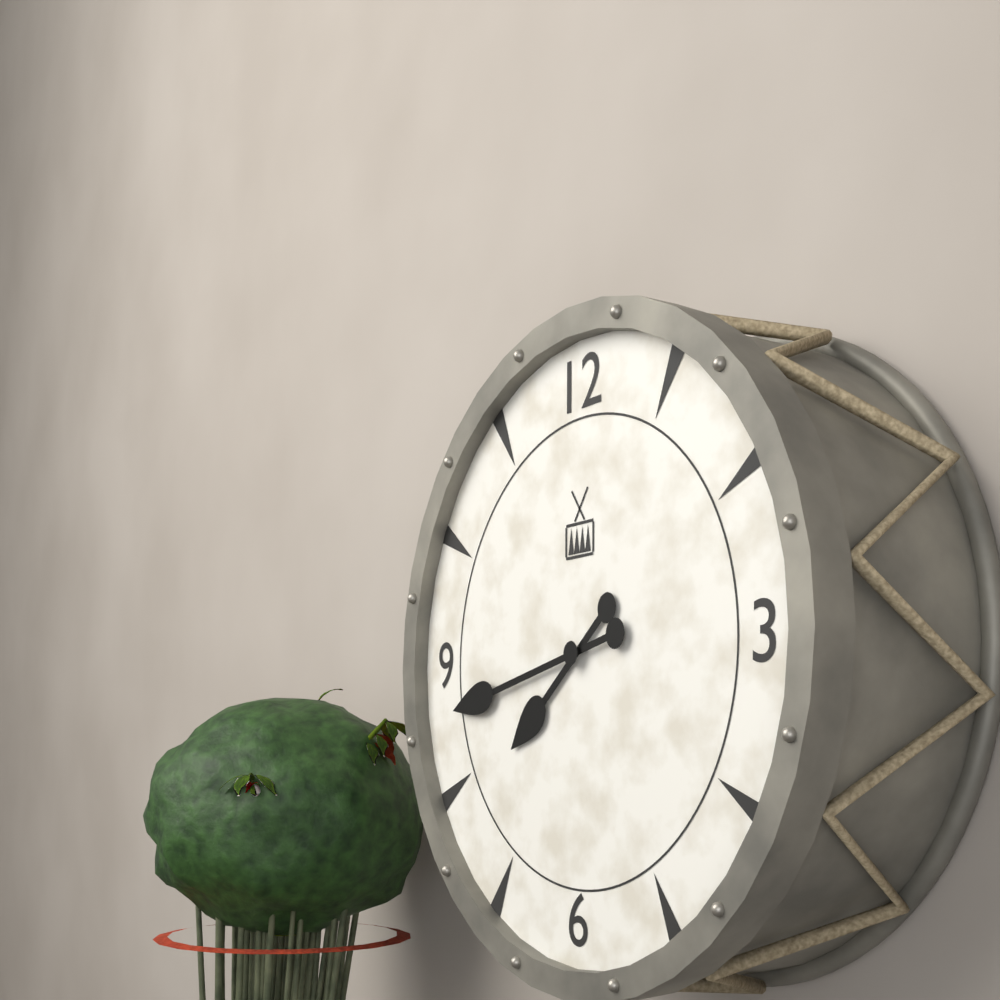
7:43
